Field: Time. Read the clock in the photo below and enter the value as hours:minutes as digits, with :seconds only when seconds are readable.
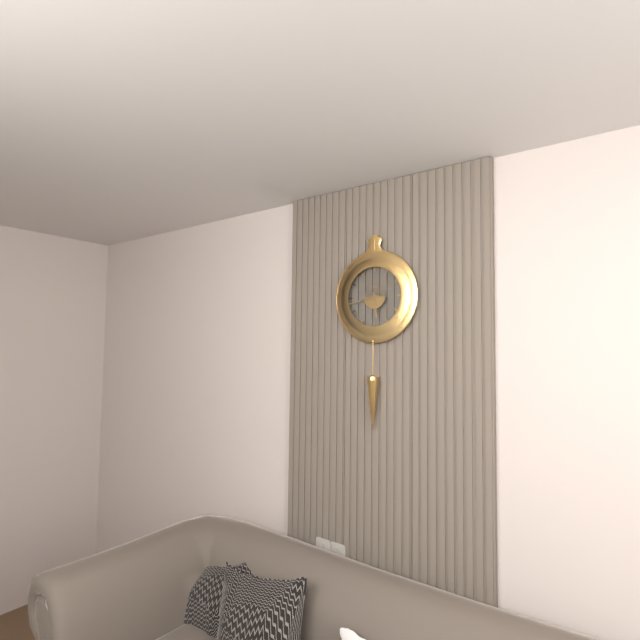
5:43
